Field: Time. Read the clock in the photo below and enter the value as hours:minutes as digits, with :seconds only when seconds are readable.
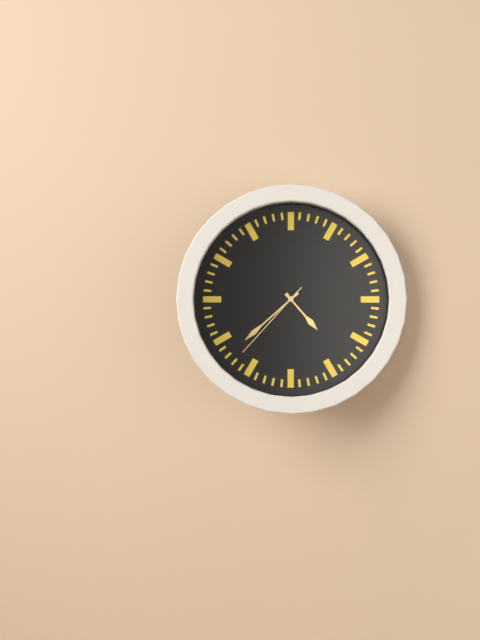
4:38:37
